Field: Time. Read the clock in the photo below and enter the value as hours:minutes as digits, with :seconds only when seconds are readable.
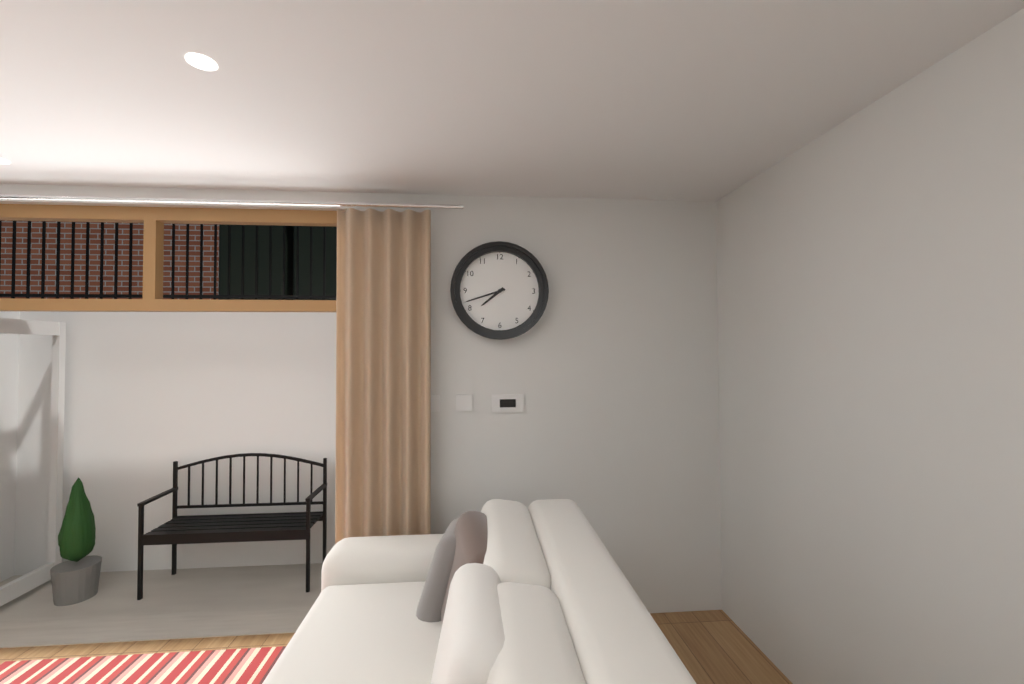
7:42
